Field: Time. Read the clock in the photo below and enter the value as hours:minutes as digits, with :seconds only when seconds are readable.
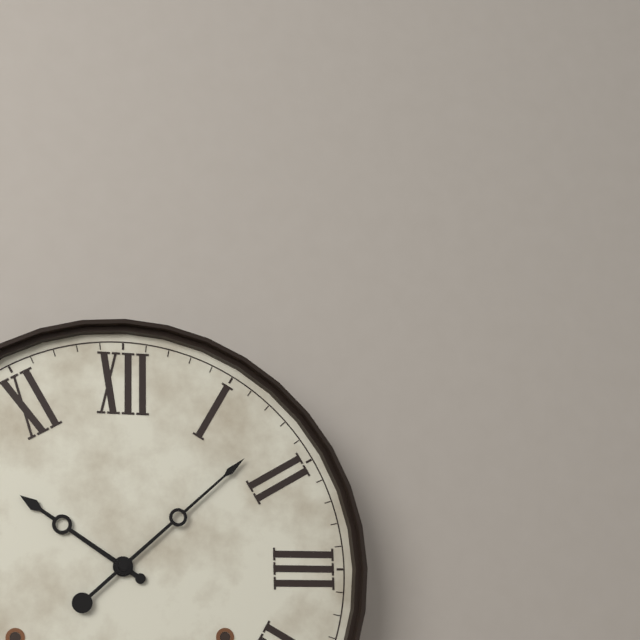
10:08
